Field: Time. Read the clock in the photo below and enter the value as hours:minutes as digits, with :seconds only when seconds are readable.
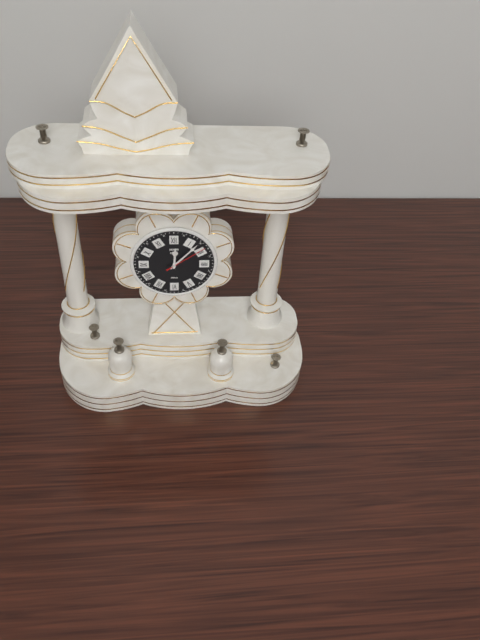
12:07
